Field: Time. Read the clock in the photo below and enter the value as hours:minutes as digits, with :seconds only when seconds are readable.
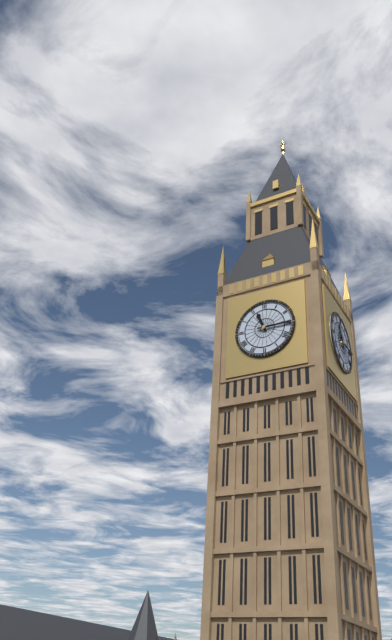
11:15
